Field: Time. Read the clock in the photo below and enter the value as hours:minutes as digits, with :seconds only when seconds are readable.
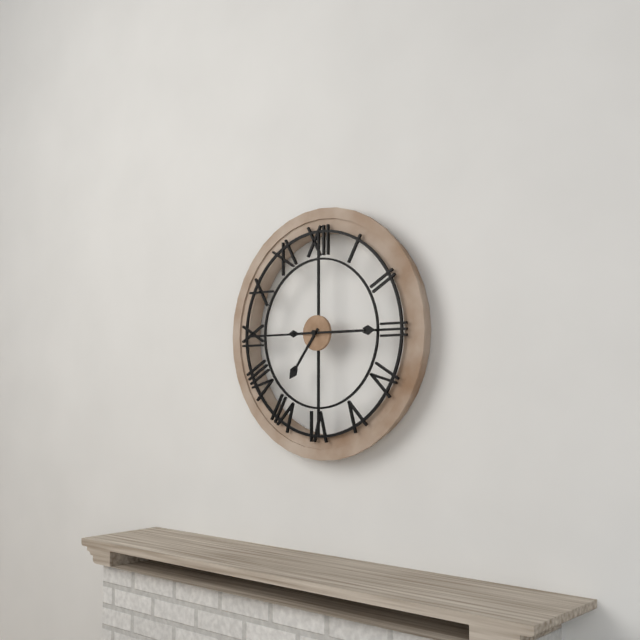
7:15
